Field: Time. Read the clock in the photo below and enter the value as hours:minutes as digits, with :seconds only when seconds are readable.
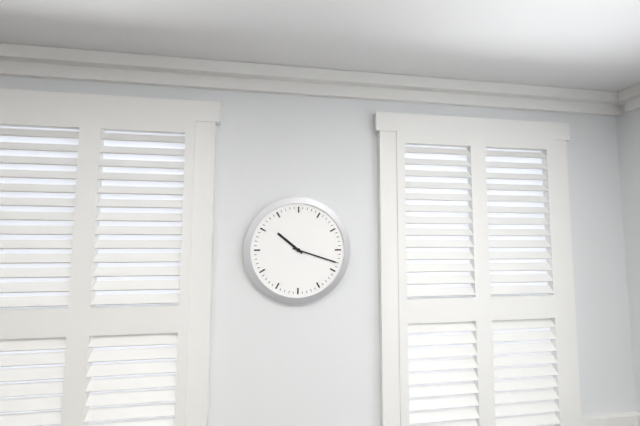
10:18
